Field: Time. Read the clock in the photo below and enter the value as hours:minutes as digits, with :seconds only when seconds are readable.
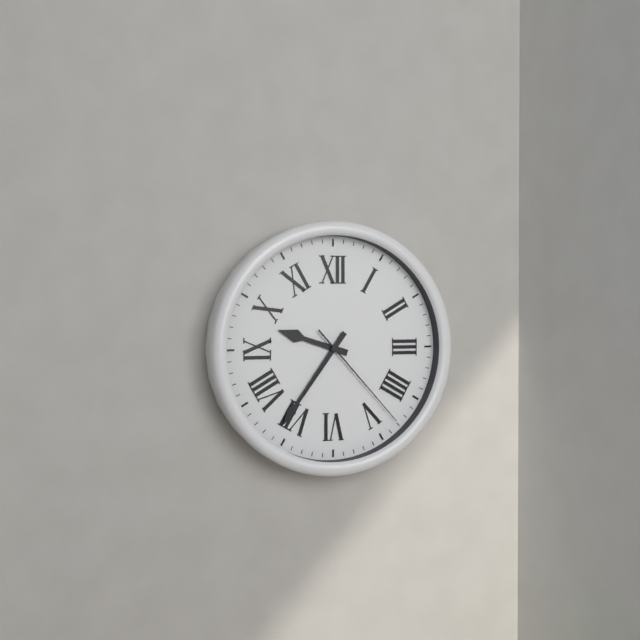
9:36:23
